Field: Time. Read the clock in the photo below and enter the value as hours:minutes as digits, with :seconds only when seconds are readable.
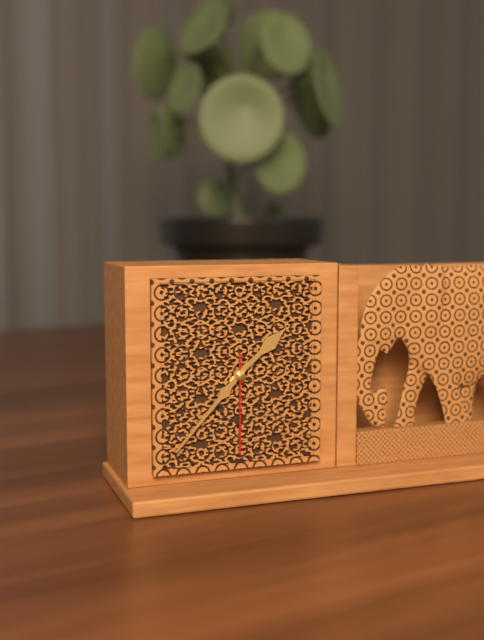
1:37:30
